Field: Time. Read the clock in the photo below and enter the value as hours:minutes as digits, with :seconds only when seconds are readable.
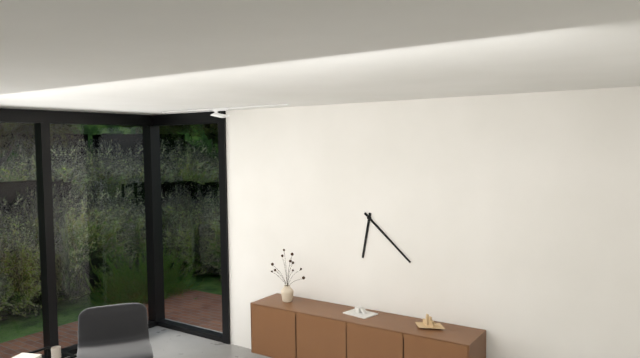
6:22
